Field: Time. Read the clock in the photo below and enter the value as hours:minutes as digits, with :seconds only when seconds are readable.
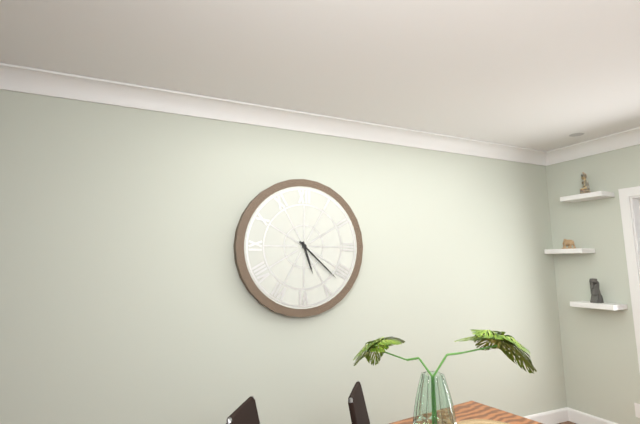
5:22
